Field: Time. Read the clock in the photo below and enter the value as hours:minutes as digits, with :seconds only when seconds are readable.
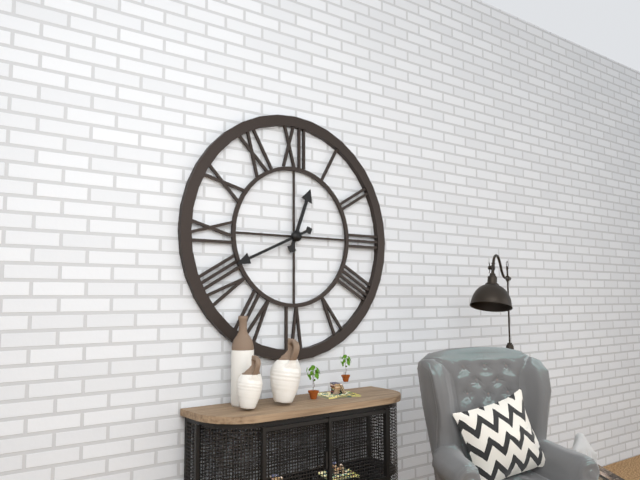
12:41
